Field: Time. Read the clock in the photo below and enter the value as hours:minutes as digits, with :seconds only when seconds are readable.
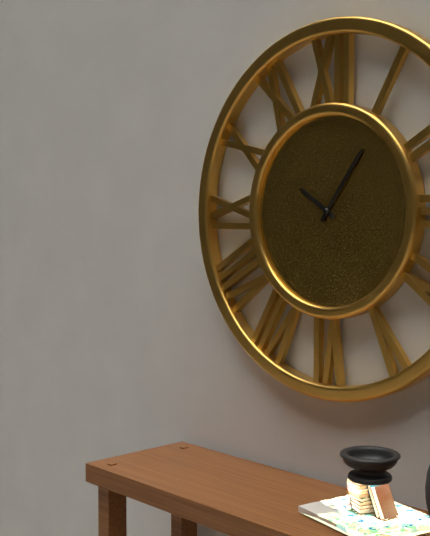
10:06
